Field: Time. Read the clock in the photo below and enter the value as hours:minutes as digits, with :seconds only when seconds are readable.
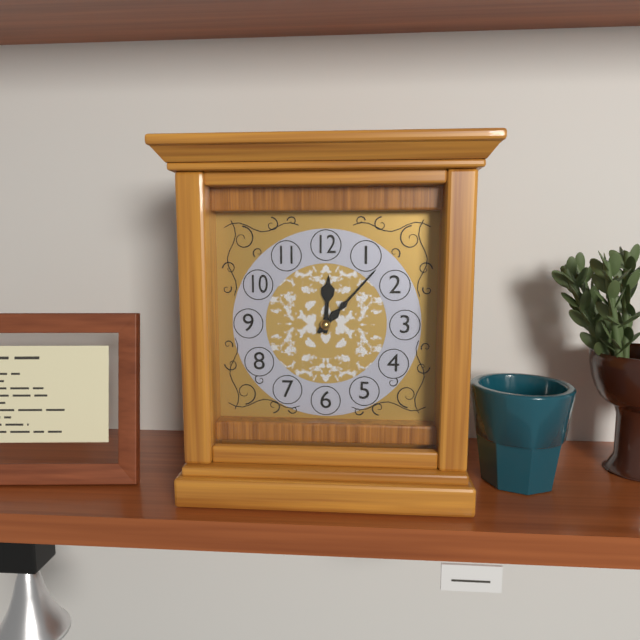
12:07
